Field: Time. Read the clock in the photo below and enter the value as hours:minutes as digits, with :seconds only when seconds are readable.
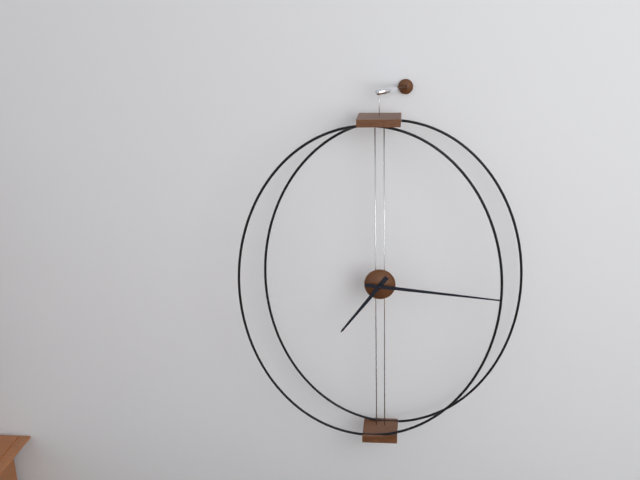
7:16
